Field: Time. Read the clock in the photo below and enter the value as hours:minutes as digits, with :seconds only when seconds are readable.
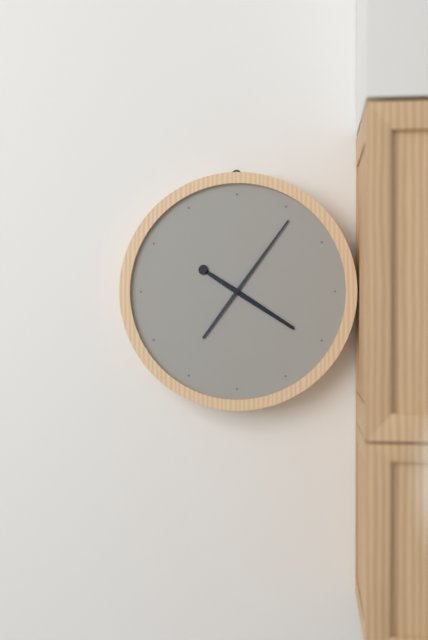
4:06
